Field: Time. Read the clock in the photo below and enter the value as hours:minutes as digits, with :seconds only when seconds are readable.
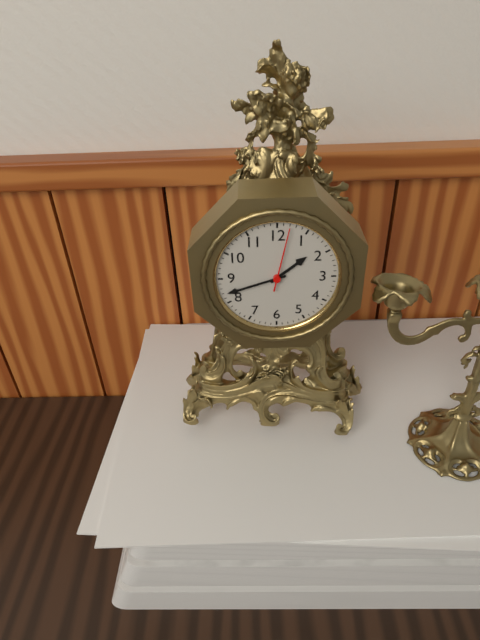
1:42:02
